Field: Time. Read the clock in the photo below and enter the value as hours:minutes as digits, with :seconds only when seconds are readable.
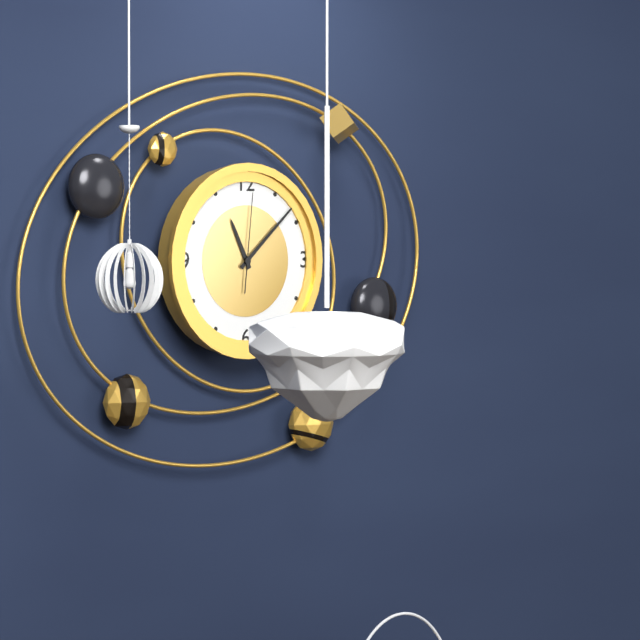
11:08:01
